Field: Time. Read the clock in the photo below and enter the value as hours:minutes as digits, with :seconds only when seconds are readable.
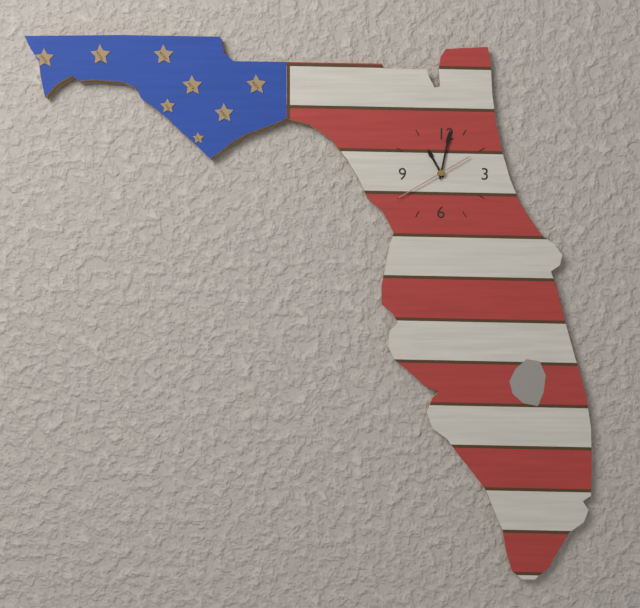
11:02:40
